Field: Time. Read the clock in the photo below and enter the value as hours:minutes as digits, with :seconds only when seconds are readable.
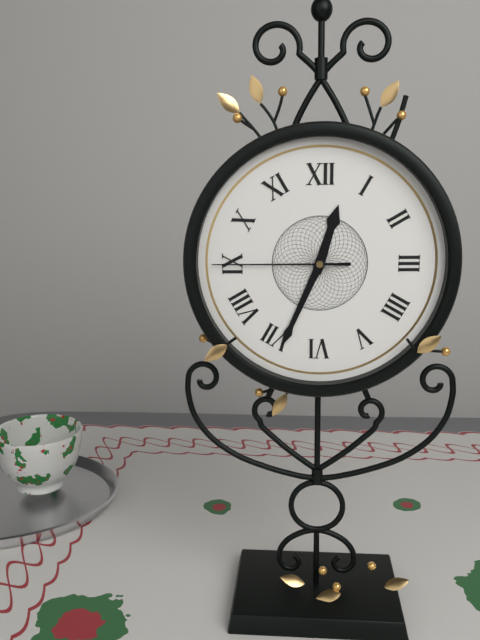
12:34:45
